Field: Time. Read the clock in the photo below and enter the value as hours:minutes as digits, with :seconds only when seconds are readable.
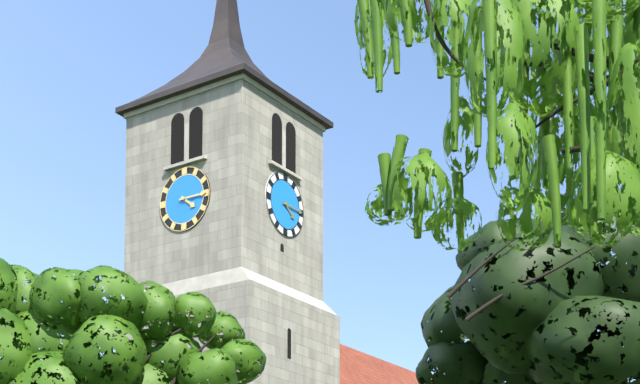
4:15
